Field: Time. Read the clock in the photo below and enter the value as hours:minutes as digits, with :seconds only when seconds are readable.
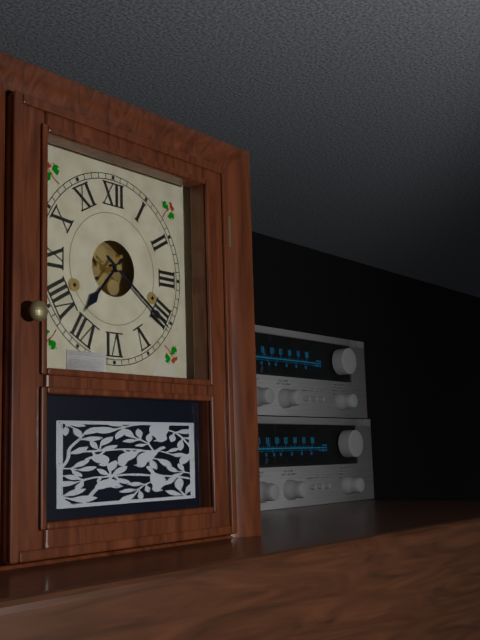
7:21
